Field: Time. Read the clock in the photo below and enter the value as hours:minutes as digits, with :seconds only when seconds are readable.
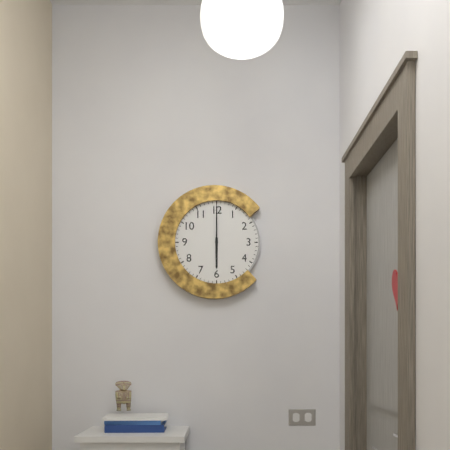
6:00
